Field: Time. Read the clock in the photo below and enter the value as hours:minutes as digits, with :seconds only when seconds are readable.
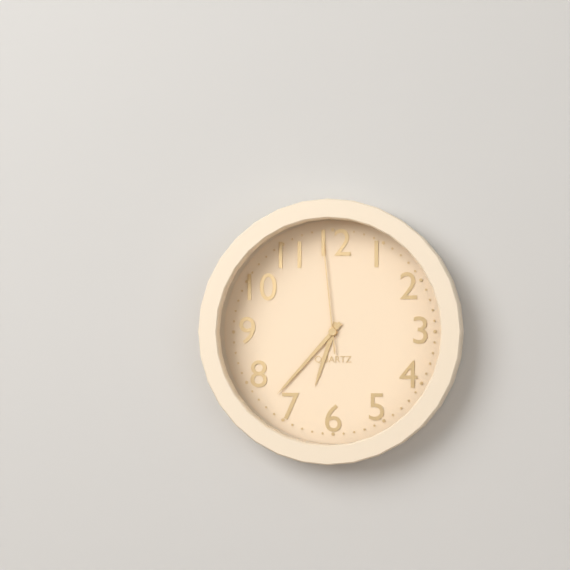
6:37:59
